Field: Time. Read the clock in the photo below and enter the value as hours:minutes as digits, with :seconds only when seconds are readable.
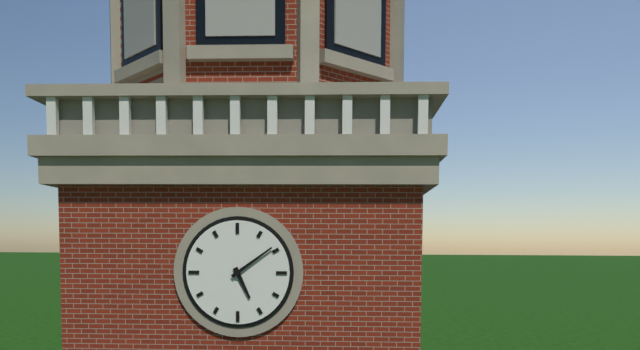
5:09
